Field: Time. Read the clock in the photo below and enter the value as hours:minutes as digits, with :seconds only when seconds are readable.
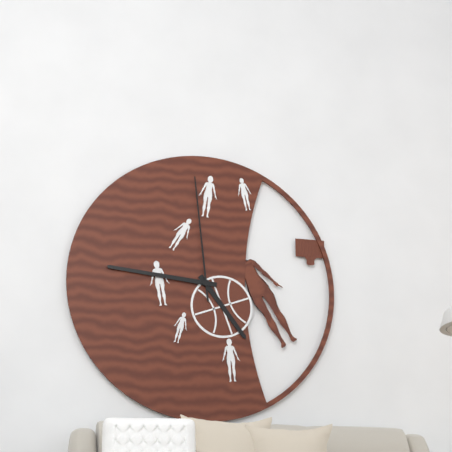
4:46:59
